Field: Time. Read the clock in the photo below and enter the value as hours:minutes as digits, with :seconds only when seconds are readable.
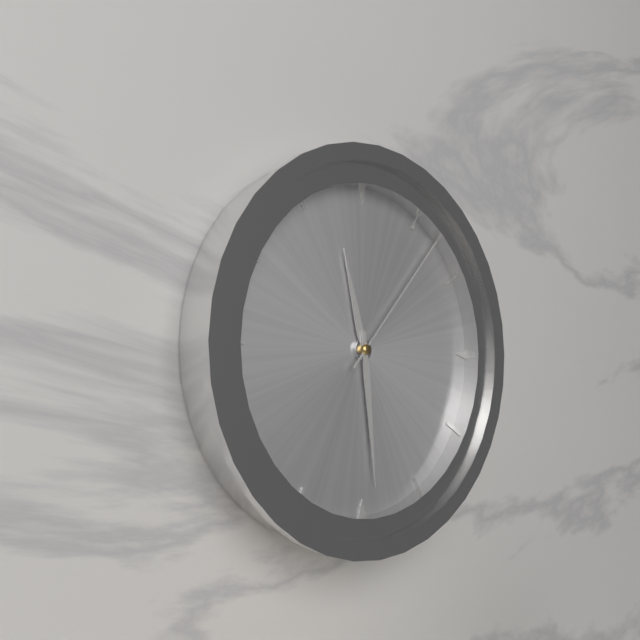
11:29:07
